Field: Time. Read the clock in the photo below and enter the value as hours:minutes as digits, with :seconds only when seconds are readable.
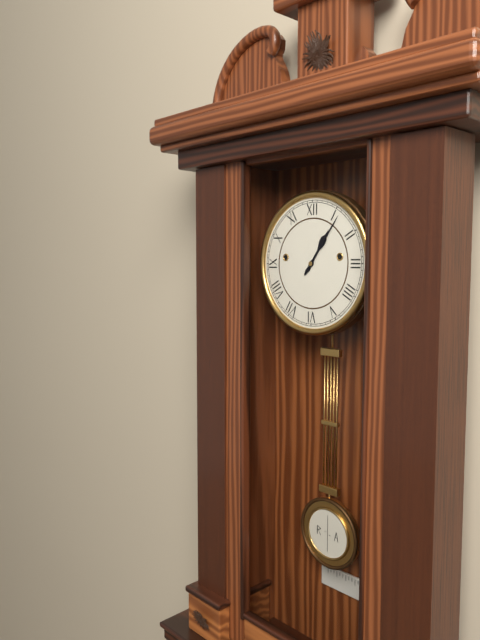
1:06
